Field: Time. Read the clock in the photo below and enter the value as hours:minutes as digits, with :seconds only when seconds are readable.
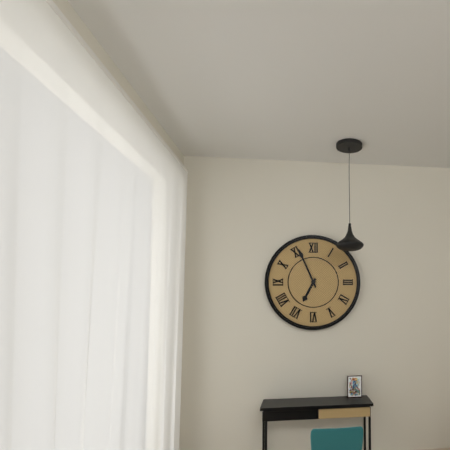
6:56
